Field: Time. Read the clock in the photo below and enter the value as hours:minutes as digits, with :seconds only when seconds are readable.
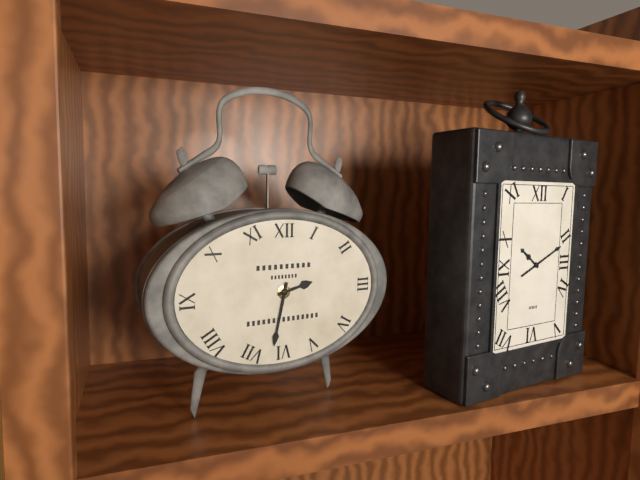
2:32
